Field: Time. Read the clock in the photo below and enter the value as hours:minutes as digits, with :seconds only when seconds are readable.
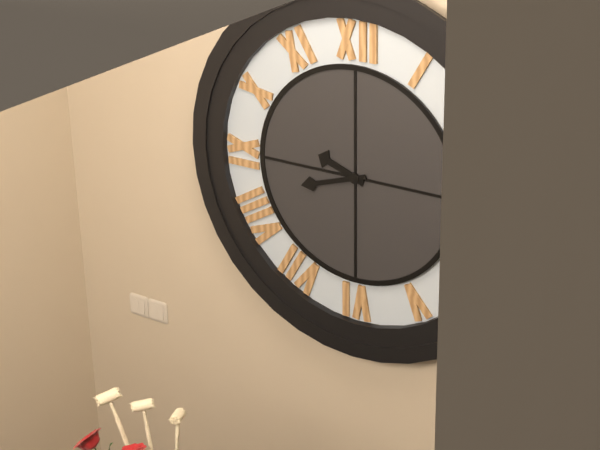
9:42
